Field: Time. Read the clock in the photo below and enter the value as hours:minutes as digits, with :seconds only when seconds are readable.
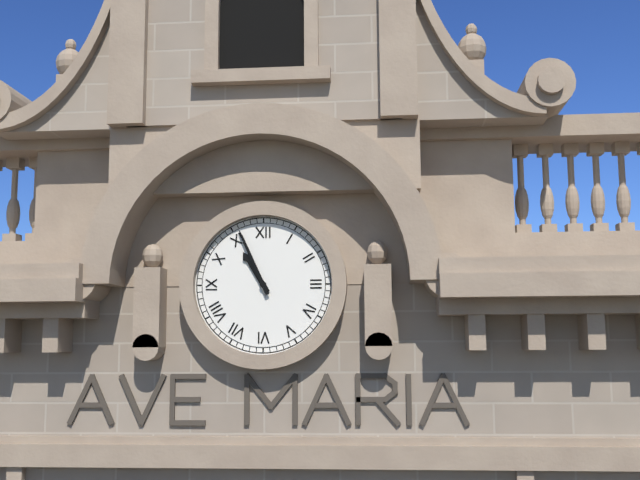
10:56
